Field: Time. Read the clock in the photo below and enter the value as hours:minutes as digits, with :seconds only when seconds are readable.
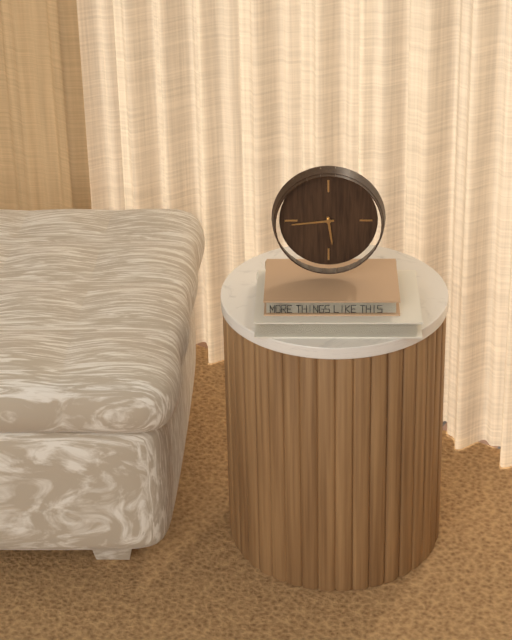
5:44
